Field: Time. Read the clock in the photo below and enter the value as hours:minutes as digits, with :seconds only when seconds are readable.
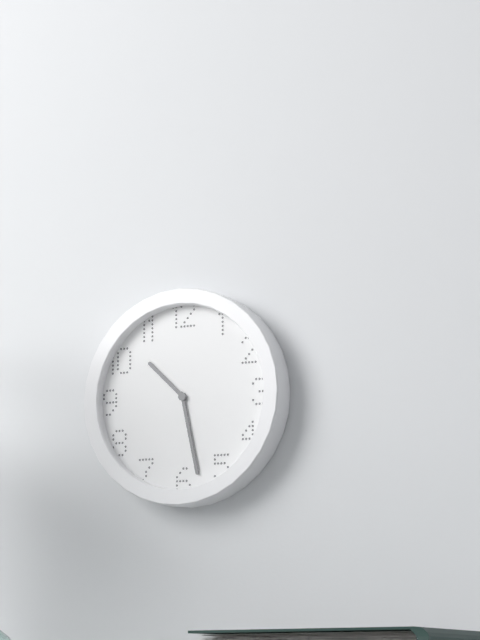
10:28
